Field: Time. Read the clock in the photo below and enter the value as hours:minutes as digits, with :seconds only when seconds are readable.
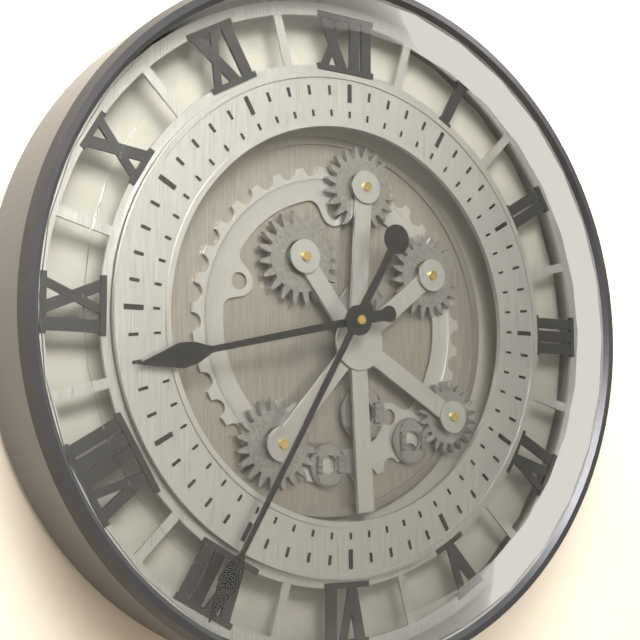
8:35
